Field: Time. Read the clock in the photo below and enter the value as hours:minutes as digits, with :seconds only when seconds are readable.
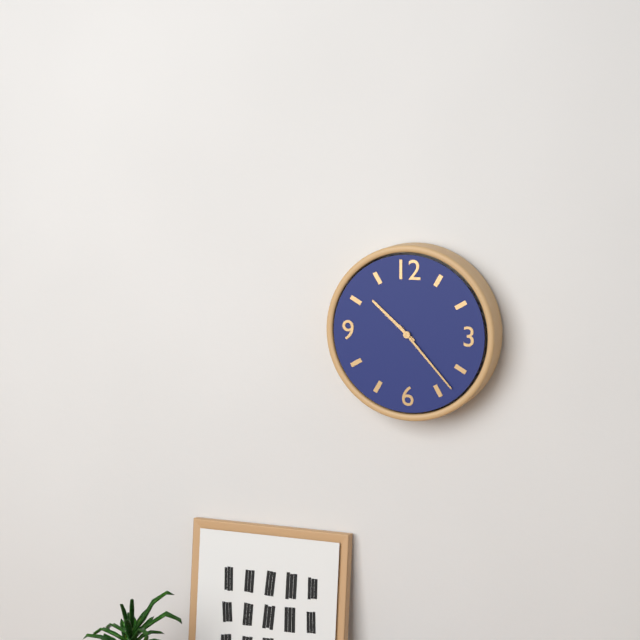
10:23
